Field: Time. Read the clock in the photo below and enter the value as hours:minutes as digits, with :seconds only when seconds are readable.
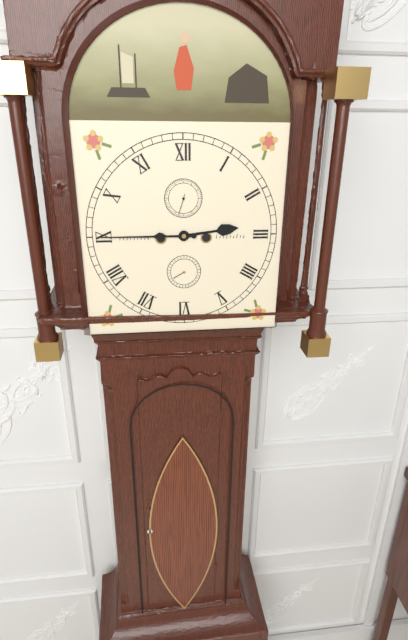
2:45
